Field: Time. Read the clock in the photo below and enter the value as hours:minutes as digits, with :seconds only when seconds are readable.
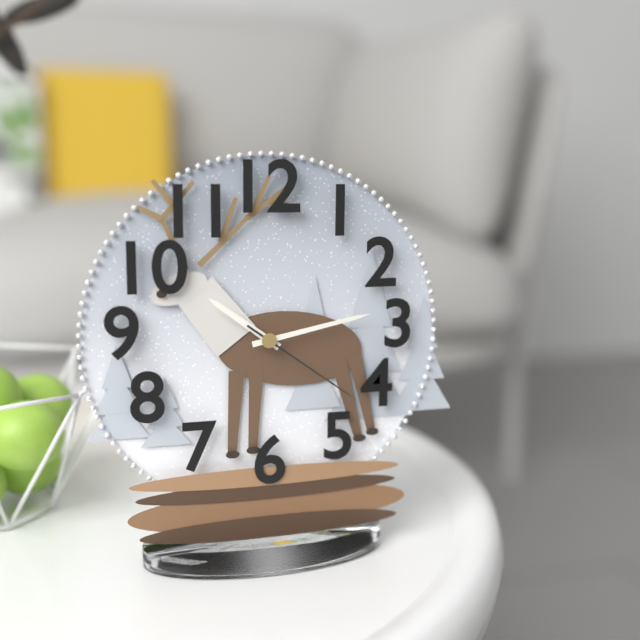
10:13:21
